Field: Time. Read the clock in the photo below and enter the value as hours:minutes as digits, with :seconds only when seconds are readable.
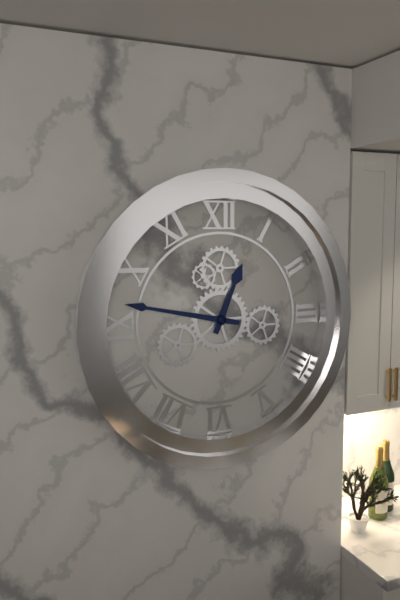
12:47
